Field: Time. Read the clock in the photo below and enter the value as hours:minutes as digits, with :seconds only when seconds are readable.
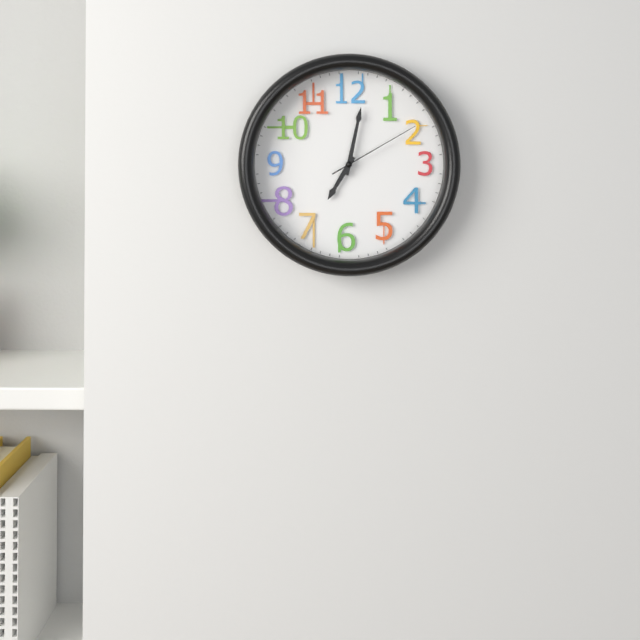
7:02:10
